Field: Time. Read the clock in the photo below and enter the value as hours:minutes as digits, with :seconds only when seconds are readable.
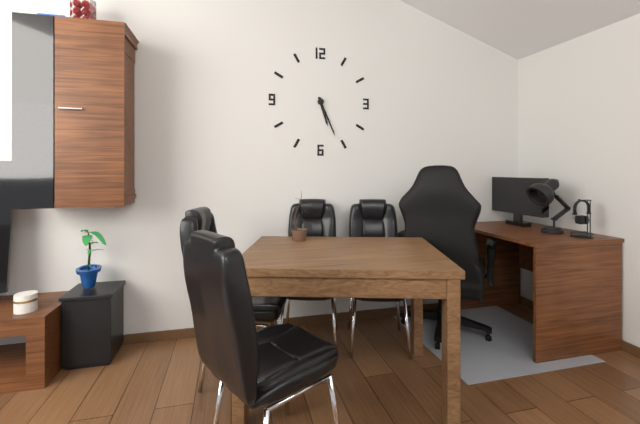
5:26
